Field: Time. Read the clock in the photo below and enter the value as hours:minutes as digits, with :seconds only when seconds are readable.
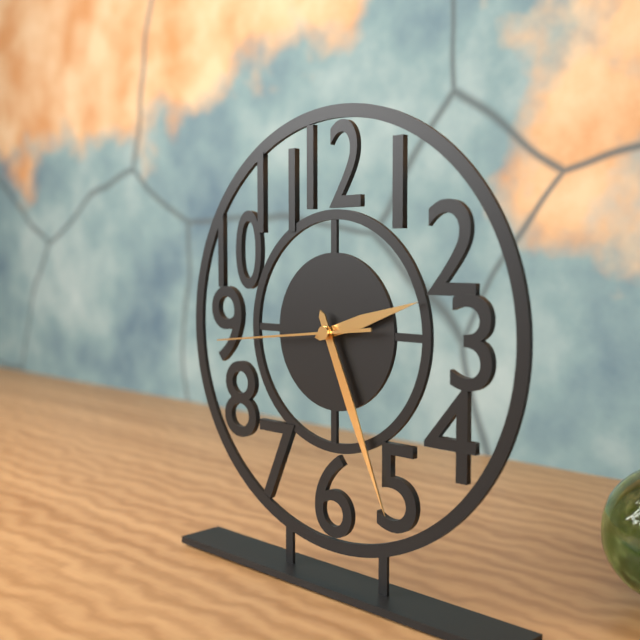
2:26:44
